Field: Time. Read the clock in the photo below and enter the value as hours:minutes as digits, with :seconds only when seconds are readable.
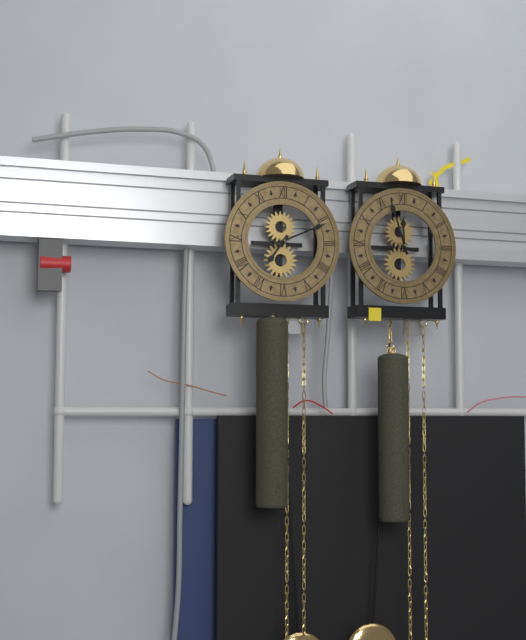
7:11
